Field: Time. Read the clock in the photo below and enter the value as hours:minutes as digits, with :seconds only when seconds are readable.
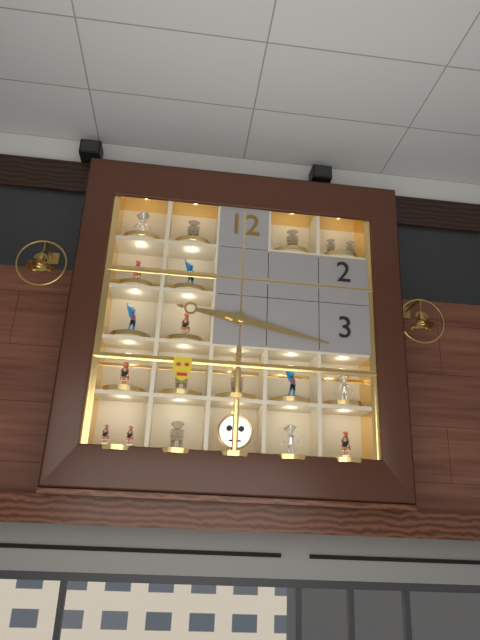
9:17
